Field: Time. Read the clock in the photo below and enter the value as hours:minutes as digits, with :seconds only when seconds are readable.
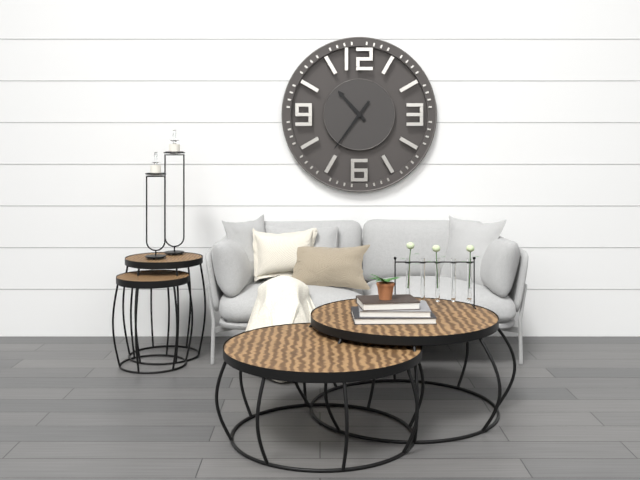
10:36
